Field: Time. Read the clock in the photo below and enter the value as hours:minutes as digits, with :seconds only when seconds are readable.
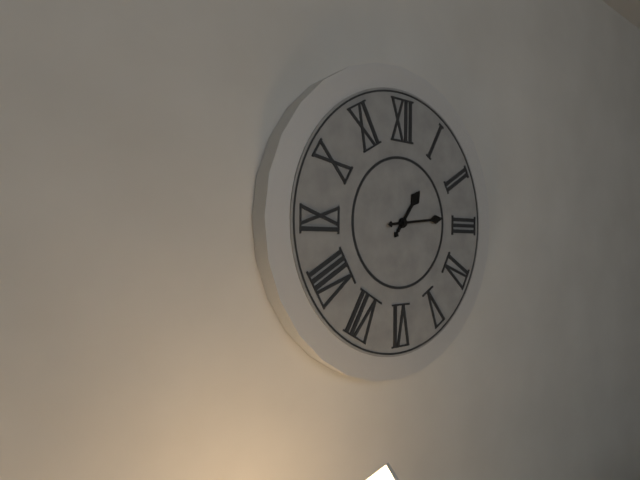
1:14
